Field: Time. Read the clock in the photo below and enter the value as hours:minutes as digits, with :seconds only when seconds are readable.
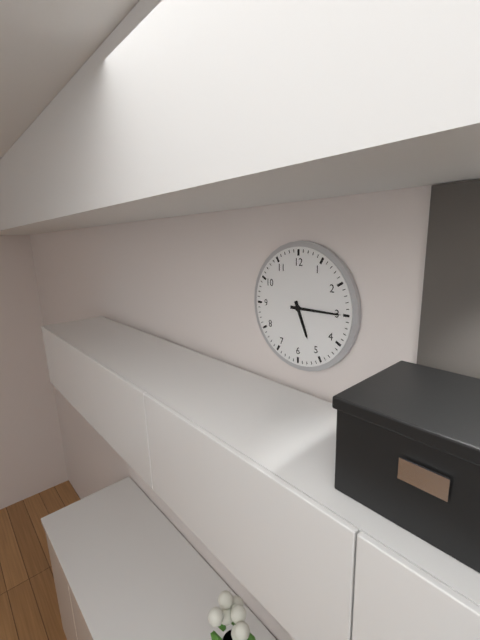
5:15
